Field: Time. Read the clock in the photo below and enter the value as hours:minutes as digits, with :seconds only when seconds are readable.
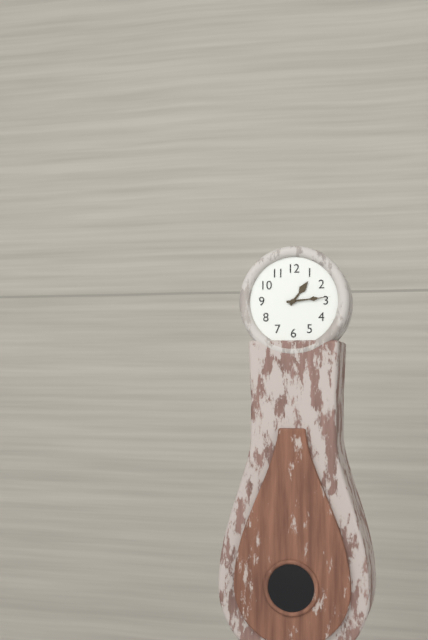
1:14
